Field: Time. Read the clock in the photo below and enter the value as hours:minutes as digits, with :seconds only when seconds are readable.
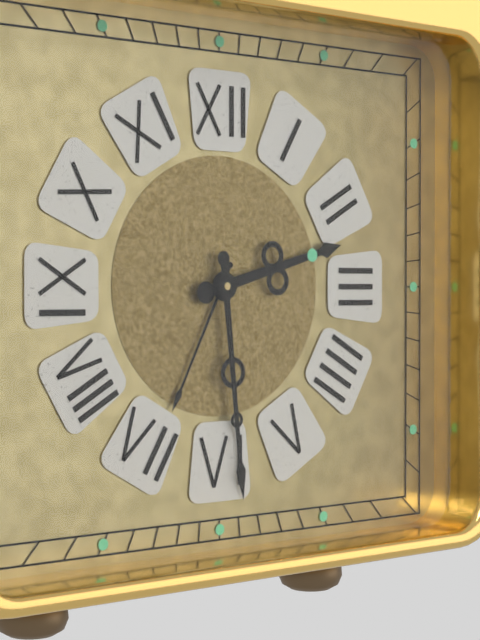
2:29
